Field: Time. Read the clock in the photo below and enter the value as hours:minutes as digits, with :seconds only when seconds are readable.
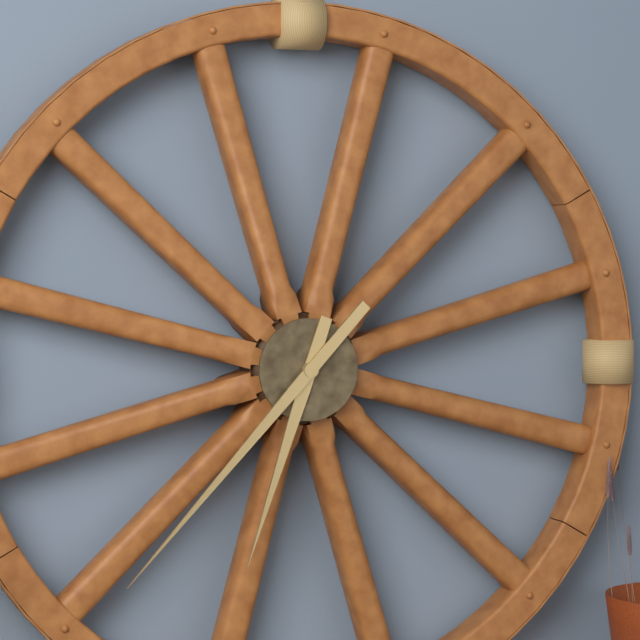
6:37
